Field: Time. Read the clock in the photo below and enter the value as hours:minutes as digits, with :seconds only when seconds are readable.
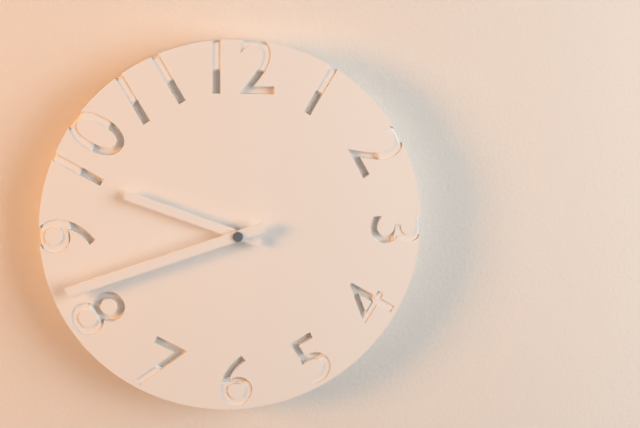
9:42
